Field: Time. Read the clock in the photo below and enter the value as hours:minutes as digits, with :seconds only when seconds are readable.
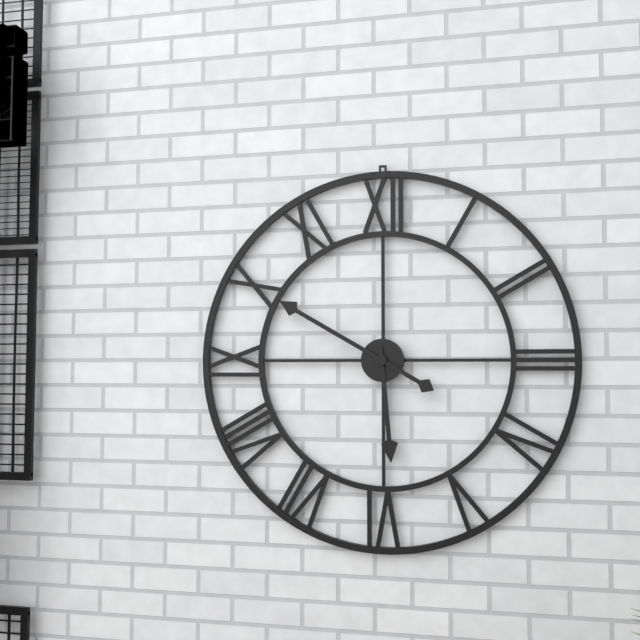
5:50
